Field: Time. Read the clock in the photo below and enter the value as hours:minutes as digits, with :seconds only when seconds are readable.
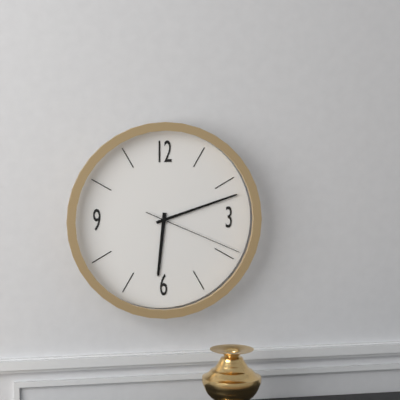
6:12:19
